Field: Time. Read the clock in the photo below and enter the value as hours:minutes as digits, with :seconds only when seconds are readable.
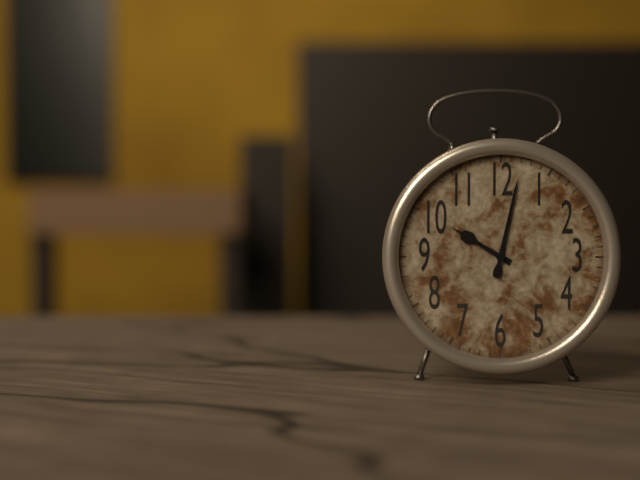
10:02
